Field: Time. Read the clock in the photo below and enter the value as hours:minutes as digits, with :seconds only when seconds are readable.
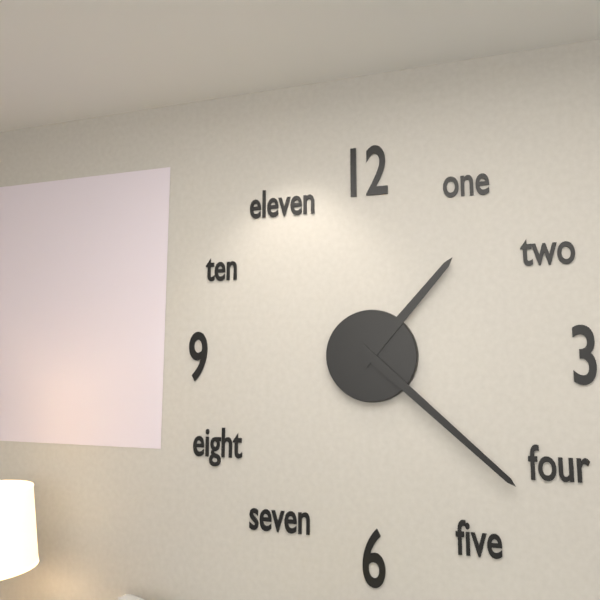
1:22
